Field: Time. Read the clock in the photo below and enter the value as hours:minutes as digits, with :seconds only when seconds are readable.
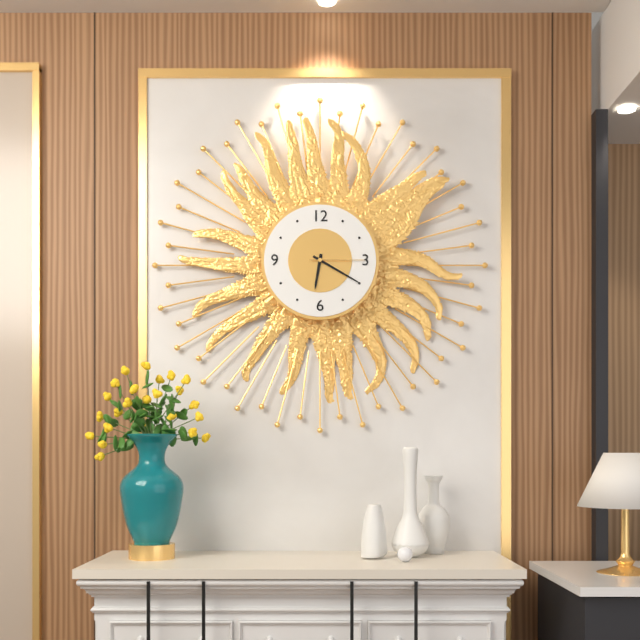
6:20:15
